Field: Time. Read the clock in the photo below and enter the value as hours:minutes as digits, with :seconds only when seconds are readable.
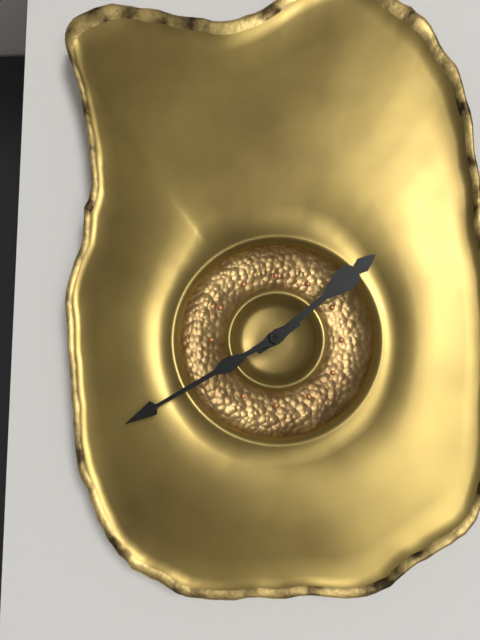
1:40
